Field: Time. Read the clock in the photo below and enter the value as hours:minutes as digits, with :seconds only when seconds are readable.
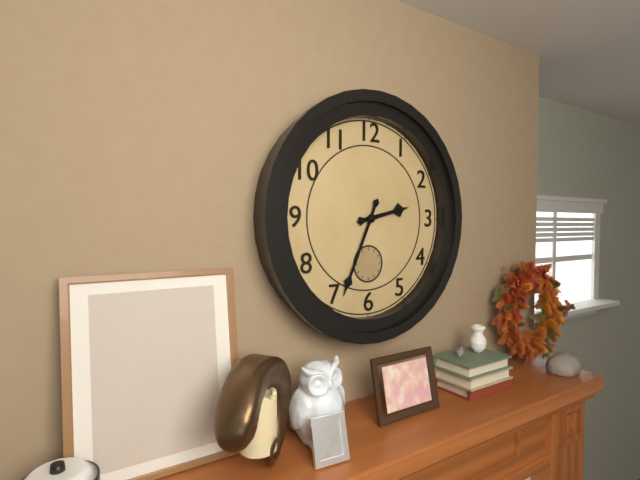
2:34
